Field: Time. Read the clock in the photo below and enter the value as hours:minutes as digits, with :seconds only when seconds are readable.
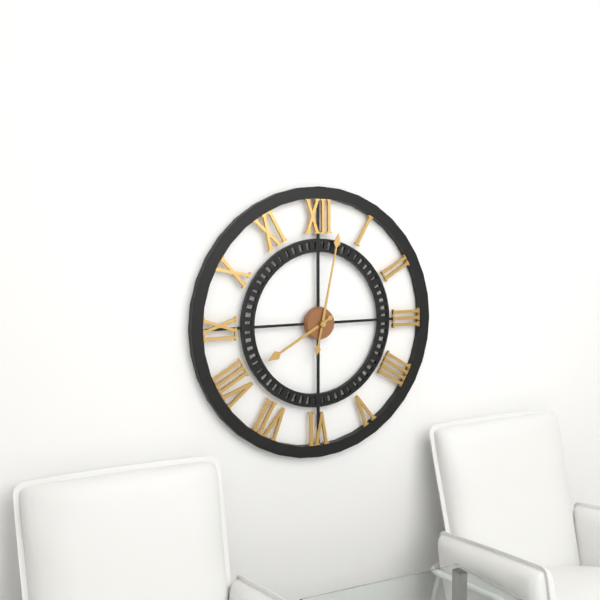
8:02
